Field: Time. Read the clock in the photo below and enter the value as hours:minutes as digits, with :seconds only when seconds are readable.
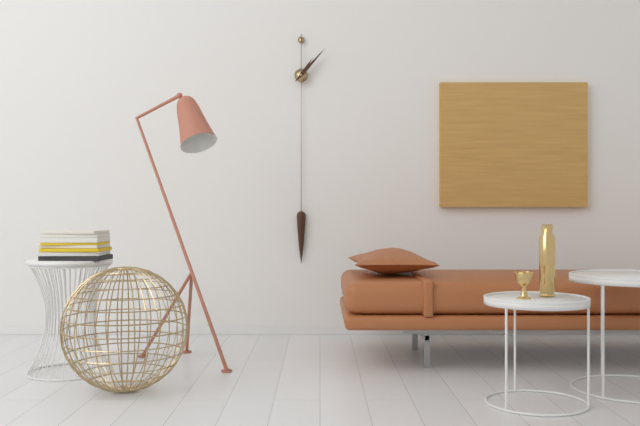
1:07
